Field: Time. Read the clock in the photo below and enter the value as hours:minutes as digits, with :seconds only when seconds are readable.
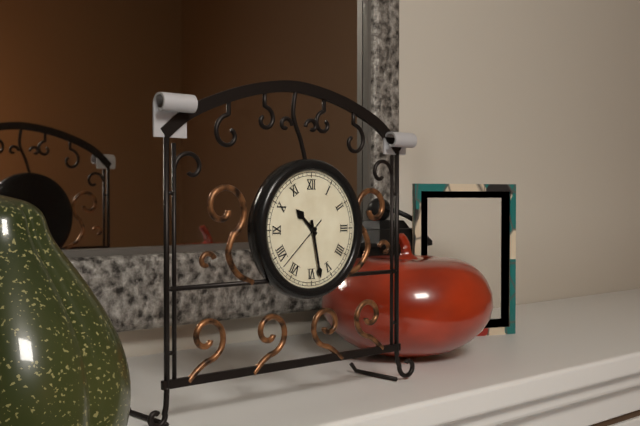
10:28:38
